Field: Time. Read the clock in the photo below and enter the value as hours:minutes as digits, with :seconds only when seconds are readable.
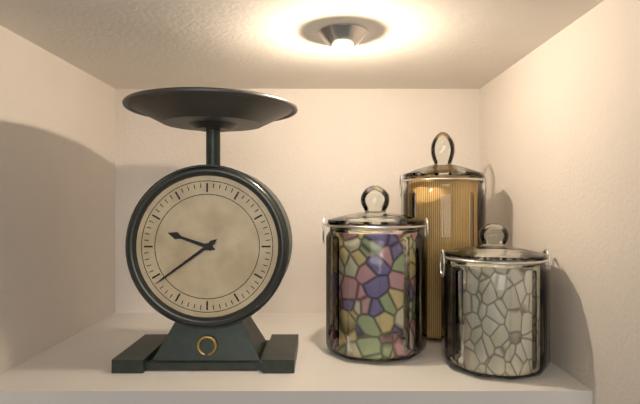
9:39
